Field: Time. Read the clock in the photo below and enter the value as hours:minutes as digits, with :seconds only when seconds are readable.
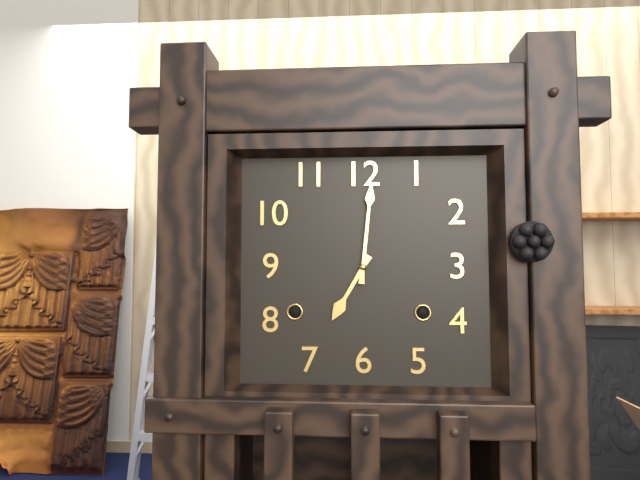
7:01
